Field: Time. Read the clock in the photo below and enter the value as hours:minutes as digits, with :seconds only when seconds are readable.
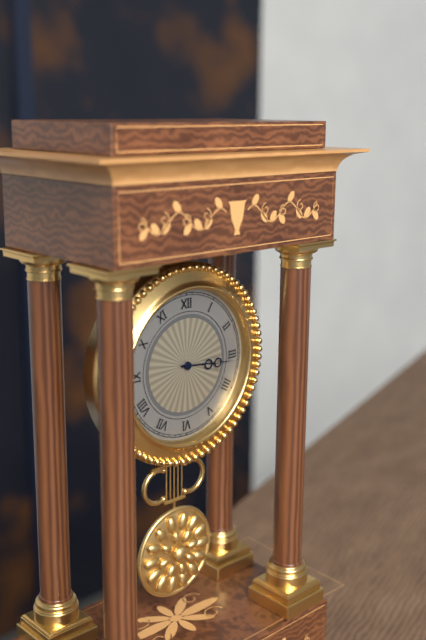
3:16
